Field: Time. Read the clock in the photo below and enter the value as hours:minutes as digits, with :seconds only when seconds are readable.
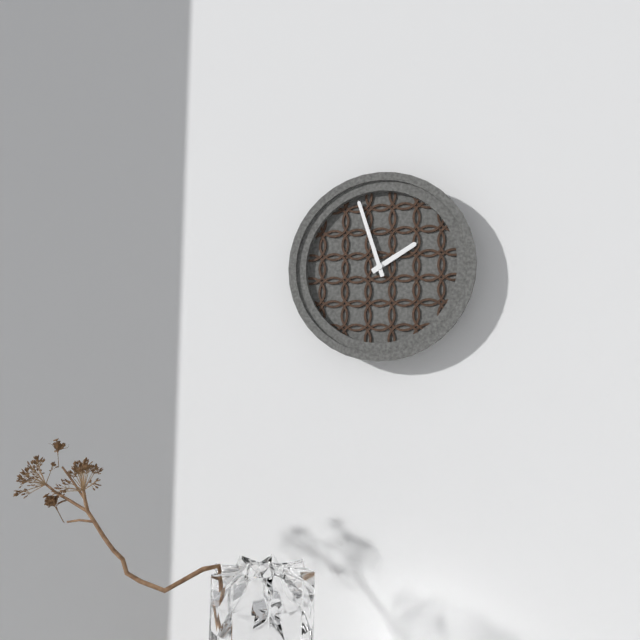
1:57
